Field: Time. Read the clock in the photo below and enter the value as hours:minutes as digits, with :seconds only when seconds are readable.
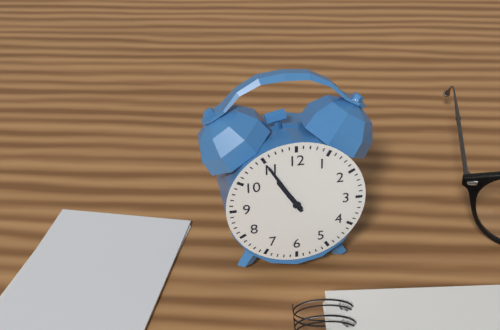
10:55
